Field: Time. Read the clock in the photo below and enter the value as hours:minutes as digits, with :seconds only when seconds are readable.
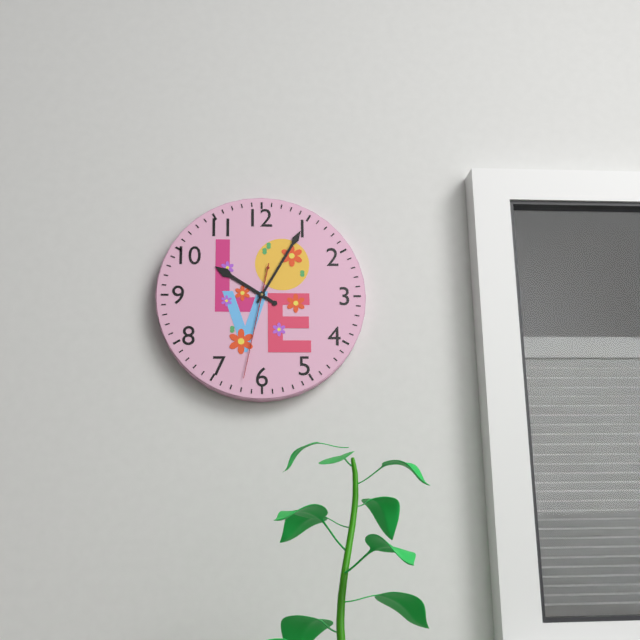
10:05:32
